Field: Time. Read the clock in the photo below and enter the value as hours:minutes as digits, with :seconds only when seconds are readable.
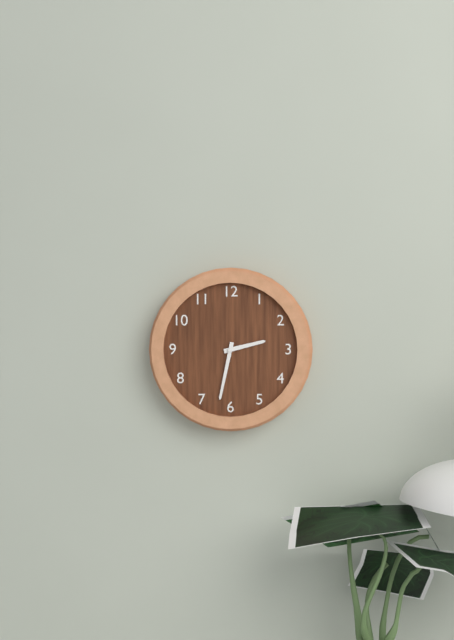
2:32
